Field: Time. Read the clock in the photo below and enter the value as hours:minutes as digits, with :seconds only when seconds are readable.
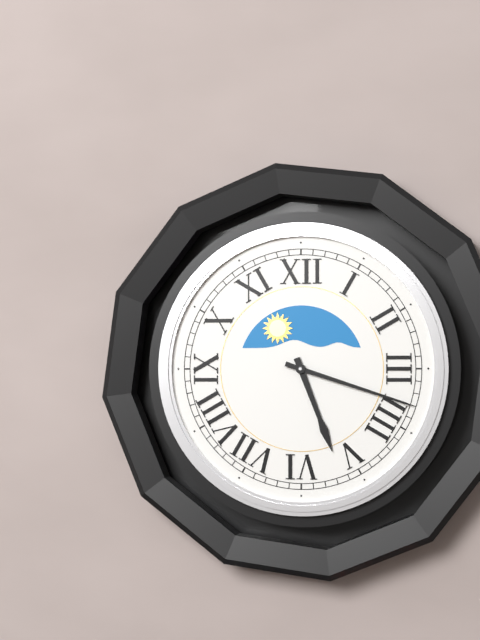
5:18
